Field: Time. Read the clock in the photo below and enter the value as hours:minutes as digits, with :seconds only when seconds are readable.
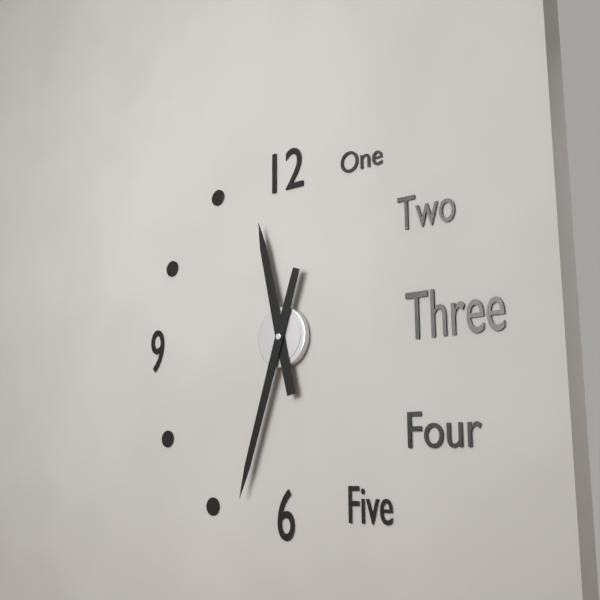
11:33
